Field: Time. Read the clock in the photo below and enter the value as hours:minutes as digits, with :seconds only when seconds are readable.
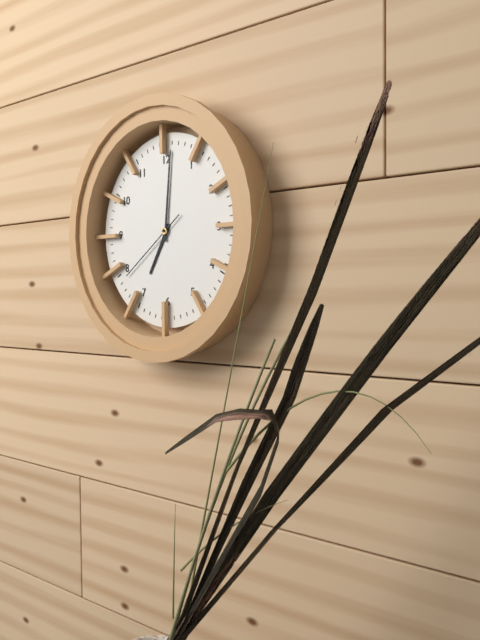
7:01:39
